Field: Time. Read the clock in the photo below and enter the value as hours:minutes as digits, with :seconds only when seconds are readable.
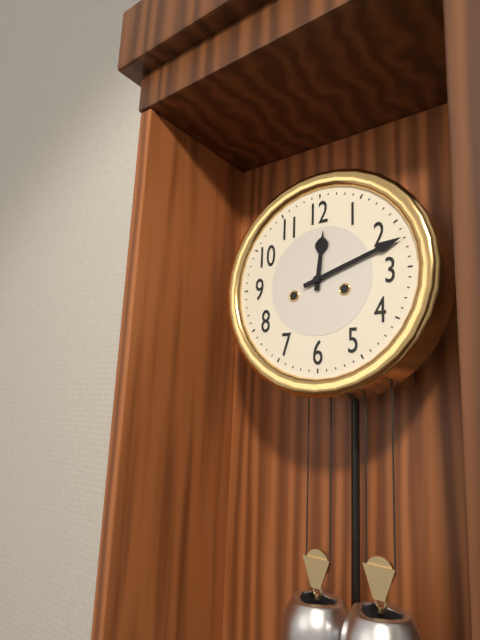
12:12
